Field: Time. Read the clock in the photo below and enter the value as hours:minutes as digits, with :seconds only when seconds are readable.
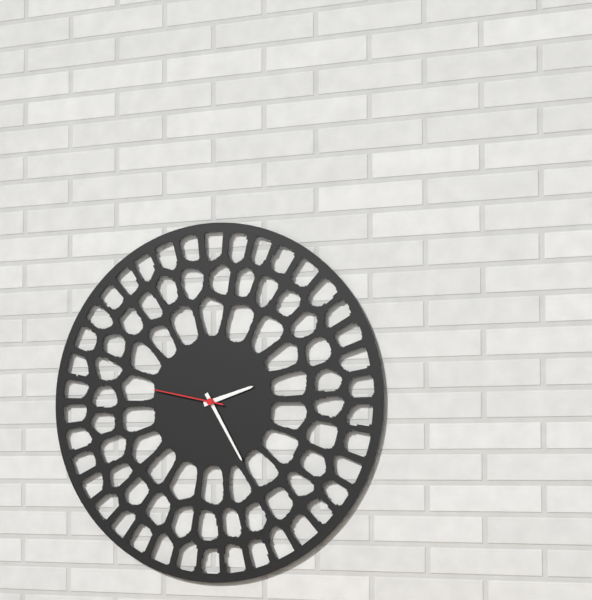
2:25:47
